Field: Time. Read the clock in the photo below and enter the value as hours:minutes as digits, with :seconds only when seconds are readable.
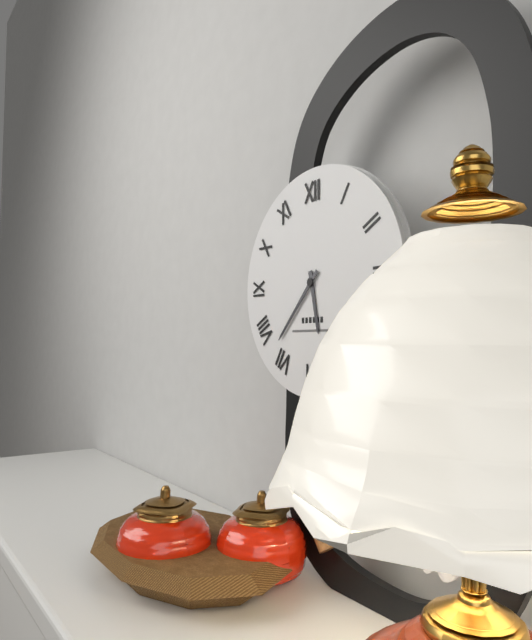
5:37
